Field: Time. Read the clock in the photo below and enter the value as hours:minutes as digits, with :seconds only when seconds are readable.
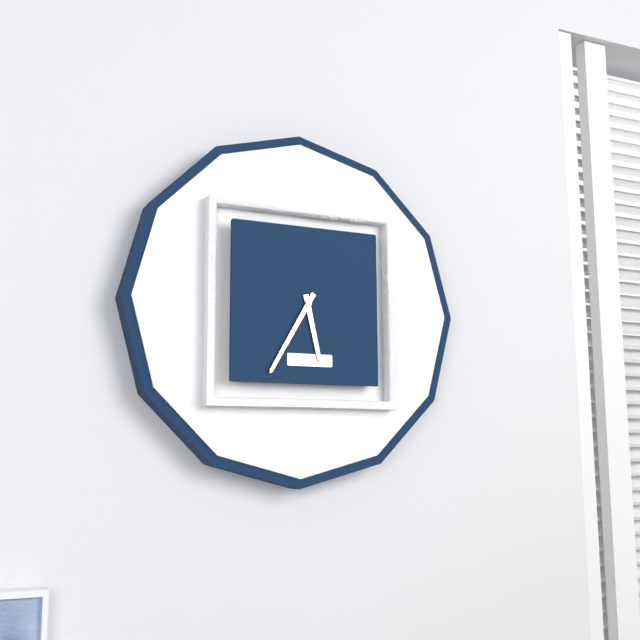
5:35
